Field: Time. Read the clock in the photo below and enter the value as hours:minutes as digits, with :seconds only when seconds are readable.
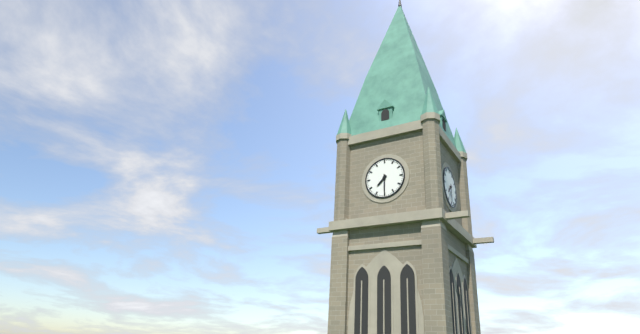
7:30
